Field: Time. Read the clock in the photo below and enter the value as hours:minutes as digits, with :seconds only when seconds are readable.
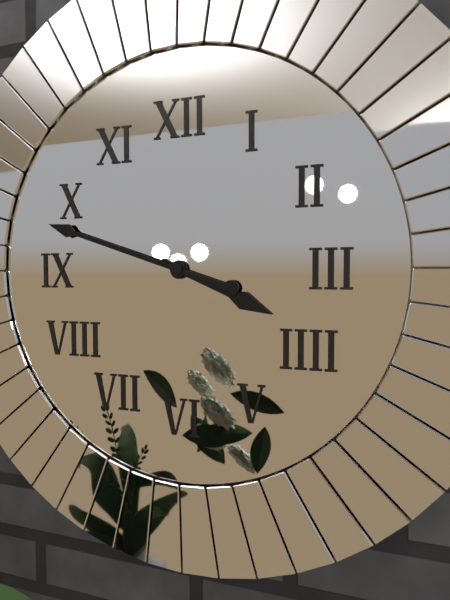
3:48
